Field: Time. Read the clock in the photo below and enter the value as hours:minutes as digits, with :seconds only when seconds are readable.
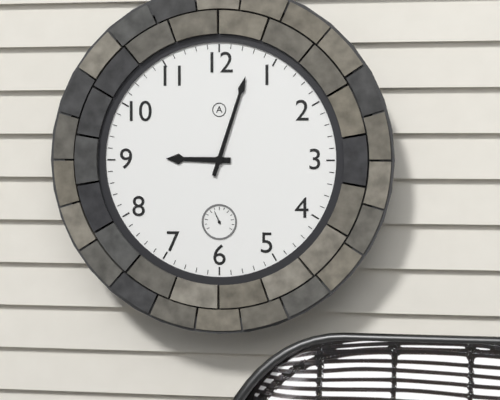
9:03
